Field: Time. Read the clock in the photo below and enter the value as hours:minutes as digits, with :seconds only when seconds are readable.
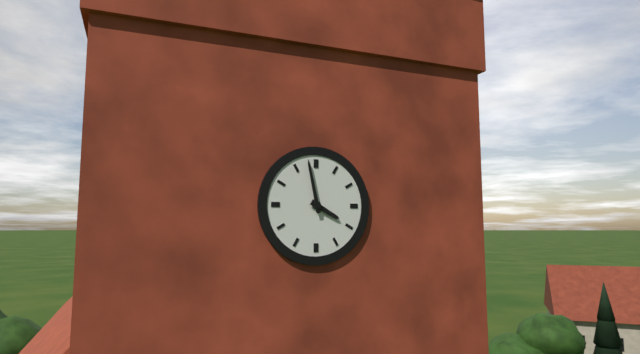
3:58
